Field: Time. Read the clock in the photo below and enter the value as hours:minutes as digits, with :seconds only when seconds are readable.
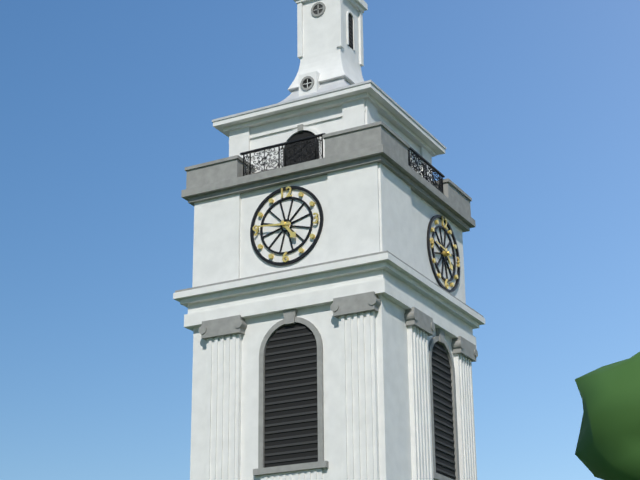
4:46
